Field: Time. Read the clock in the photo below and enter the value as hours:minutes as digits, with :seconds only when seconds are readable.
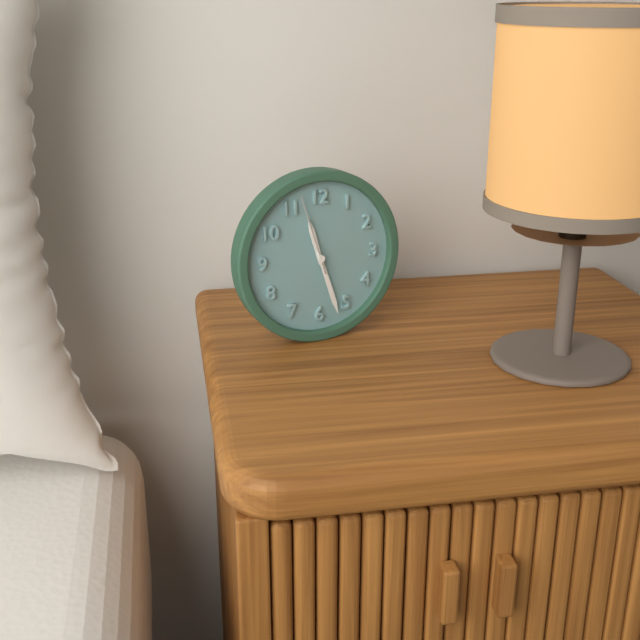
11:27:57
